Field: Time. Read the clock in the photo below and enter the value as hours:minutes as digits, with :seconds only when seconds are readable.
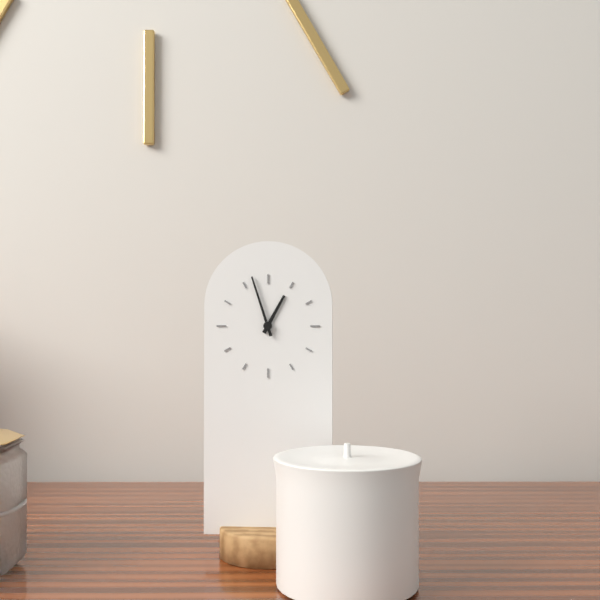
12:57
